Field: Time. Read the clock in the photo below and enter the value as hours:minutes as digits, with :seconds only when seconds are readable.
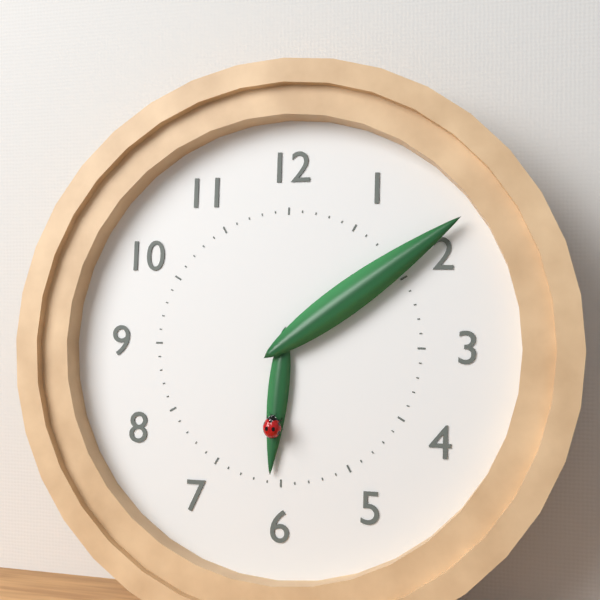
6:09
